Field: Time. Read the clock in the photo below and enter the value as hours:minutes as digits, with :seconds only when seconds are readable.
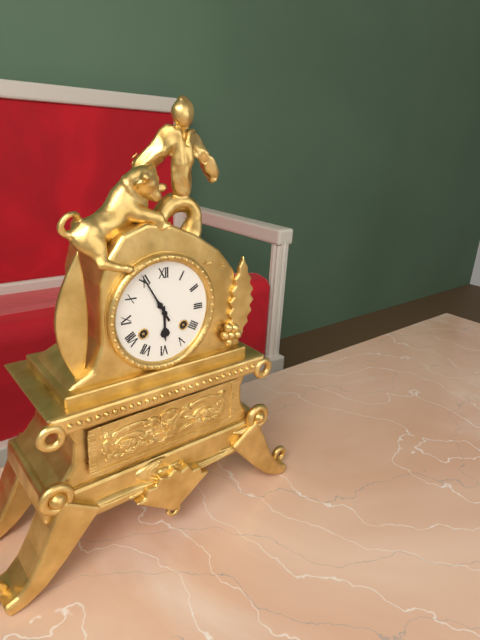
5:55
